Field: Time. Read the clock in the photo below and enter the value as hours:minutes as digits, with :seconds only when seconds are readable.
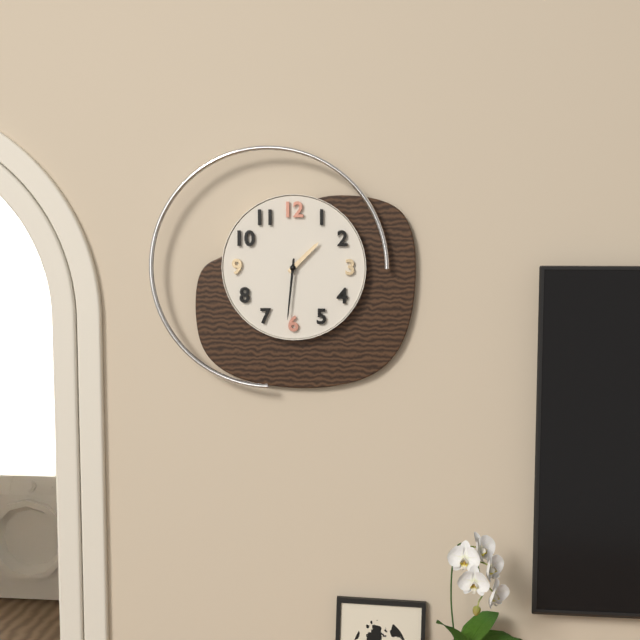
1:31
